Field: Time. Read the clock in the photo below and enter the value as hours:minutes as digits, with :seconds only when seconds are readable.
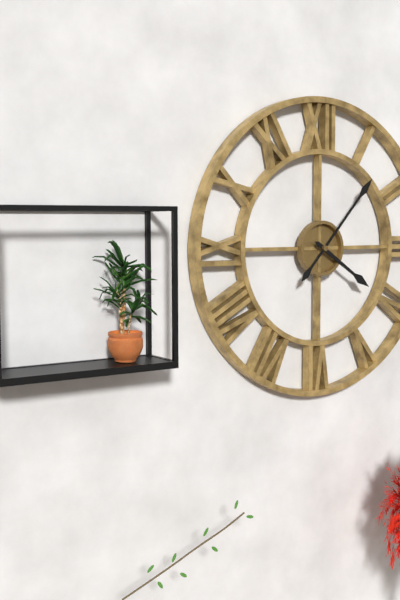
4:07
